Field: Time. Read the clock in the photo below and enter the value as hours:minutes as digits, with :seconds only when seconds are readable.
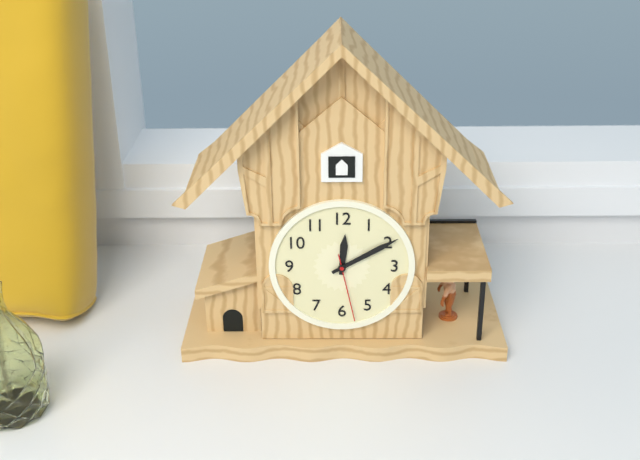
12:10:28
